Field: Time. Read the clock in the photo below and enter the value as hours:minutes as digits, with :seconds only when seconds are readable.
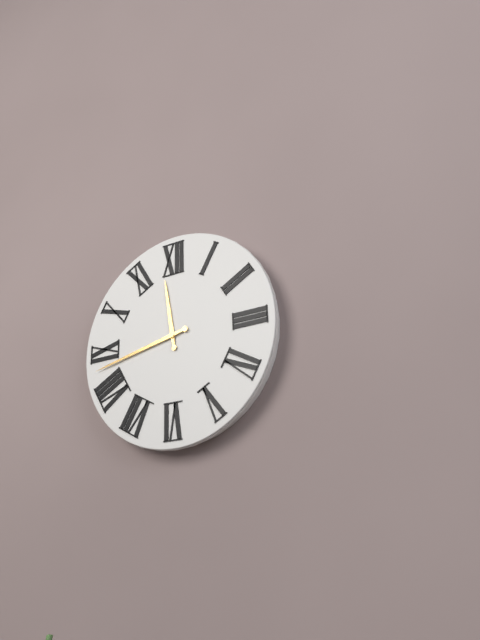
11:43
